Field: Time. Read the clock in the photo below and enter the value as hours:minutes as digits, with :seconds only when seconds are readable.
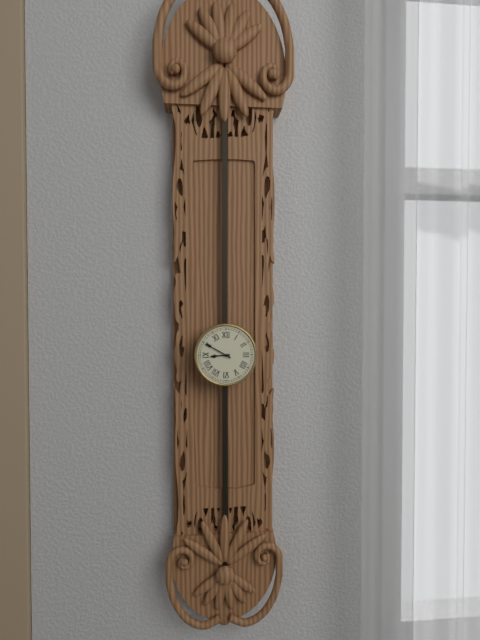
8:50
